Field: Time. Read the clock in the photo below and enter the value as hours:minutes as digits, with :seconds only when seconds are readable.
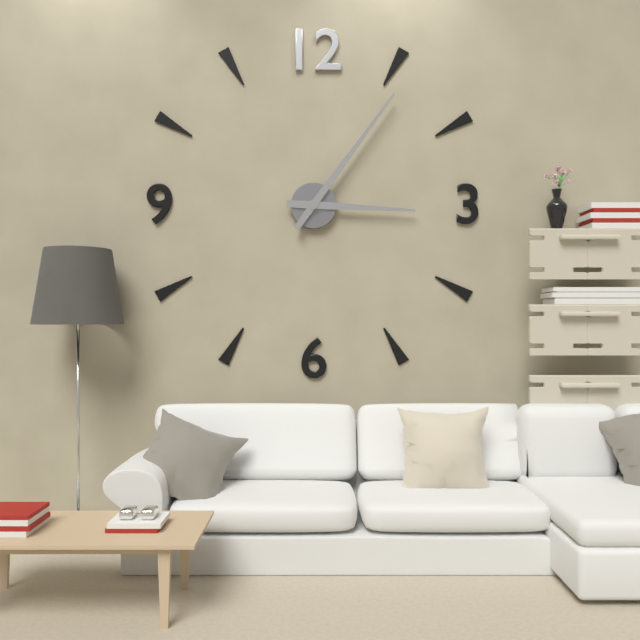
3:06
